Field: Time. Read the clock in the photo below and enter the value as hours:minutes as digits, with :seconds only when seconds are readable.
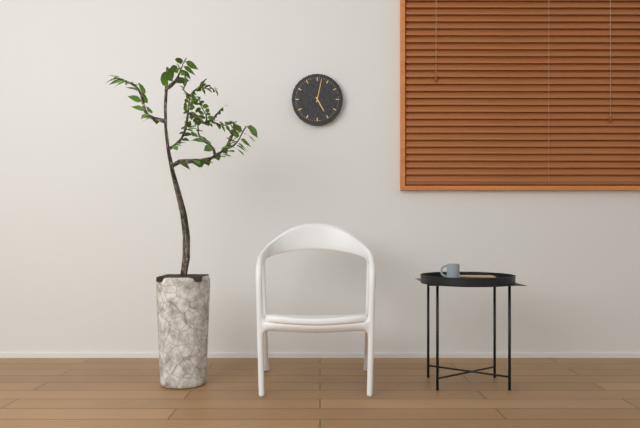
5:02
